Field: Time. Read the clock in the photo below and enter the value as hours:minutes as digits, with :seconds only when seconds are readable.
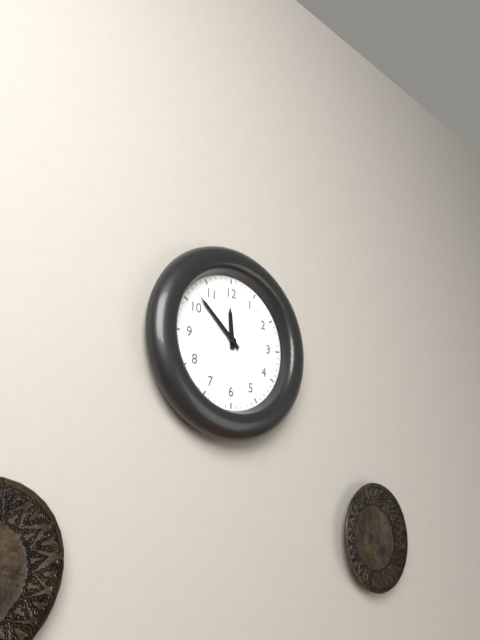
11:52
